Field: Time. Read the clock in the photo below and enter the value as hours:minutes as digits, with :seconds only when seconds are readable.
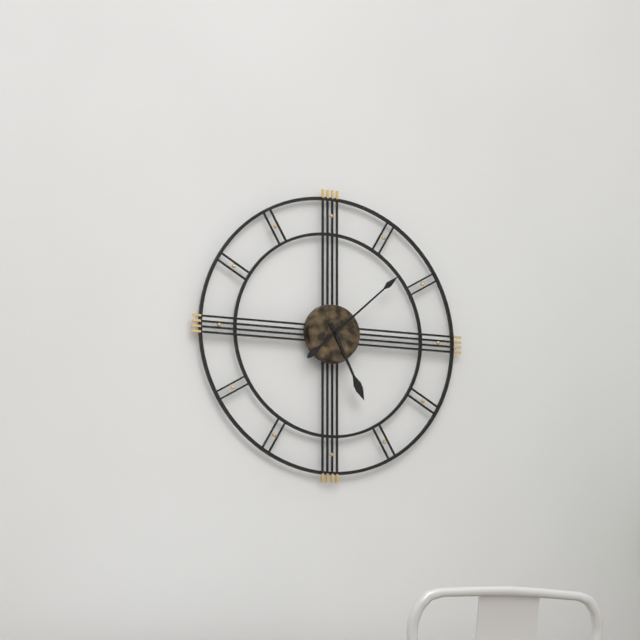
5:08
